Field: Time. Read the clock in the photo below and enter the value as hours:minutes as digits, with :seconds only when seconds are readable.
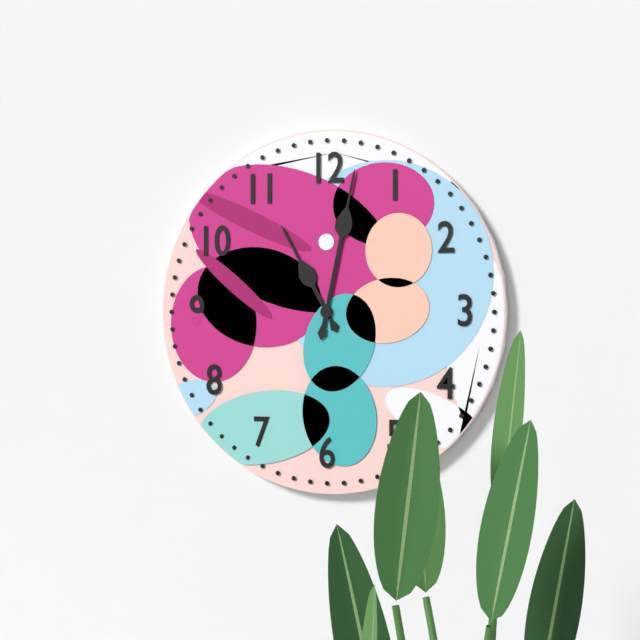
11:02
